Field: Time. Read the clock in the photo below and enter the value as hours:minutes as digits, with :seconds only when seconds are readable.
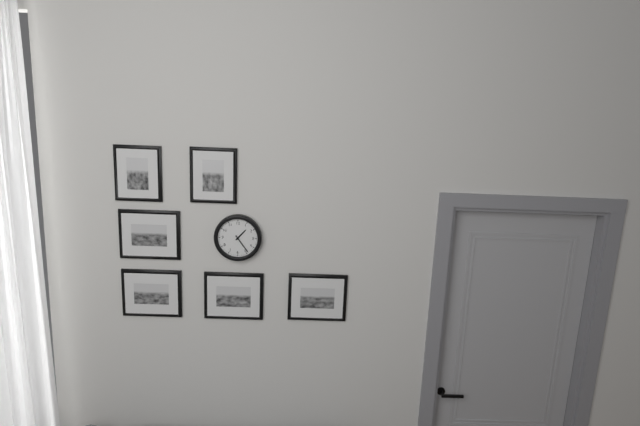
1:24
